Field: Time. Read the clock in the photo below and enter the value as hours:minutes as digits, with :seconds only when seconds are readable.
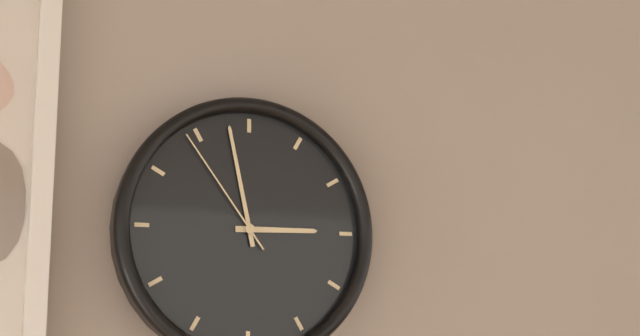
2:58:54
